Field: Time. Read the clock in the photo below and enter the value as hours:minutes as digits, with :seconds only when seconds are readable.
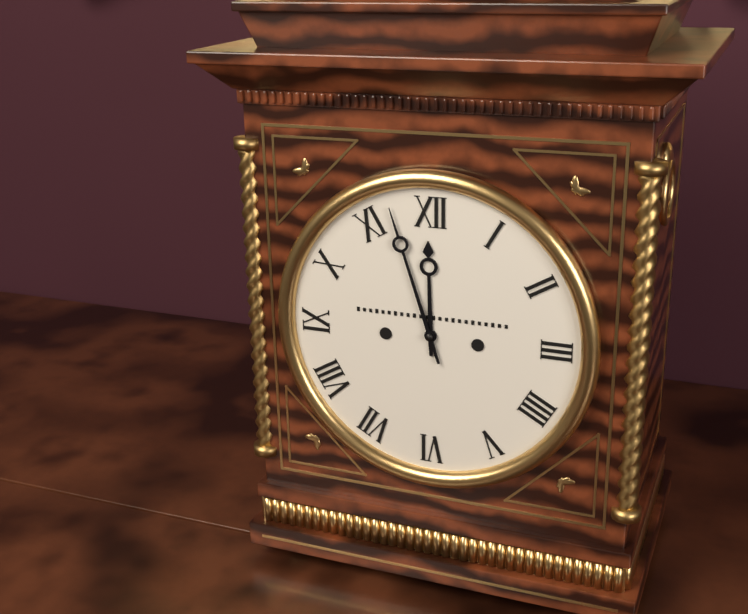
11:57
